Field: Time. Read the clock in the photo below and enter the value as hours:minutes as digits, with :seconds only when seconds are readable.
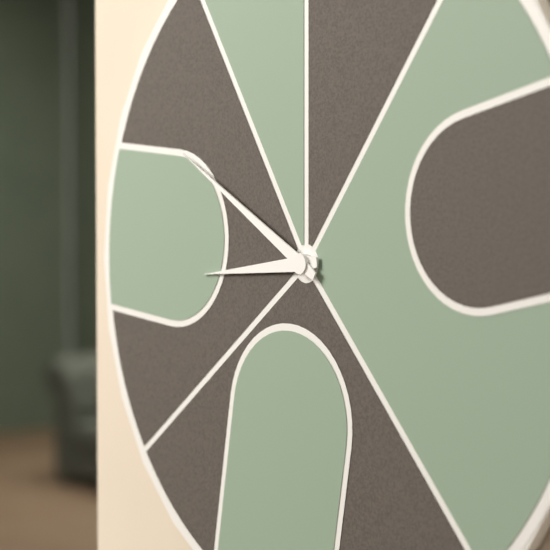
8:50
